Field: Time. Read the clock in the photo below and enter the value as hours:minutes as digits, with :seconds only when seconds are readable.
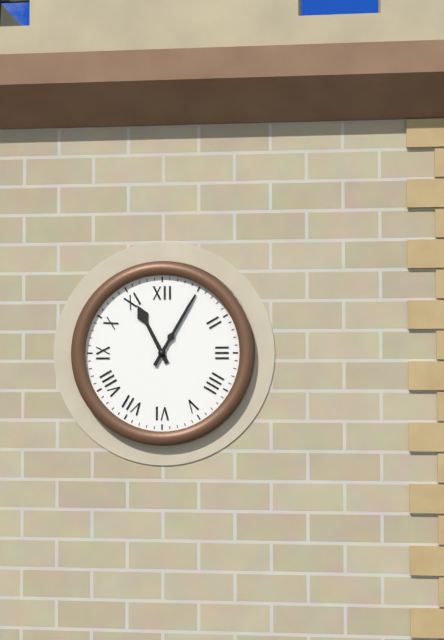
11:05
